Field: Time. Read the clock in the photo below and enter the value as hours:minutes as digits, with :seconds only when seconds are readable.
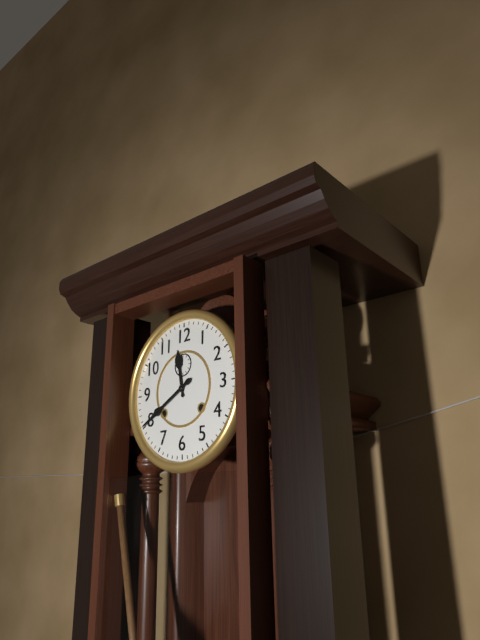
11:40
